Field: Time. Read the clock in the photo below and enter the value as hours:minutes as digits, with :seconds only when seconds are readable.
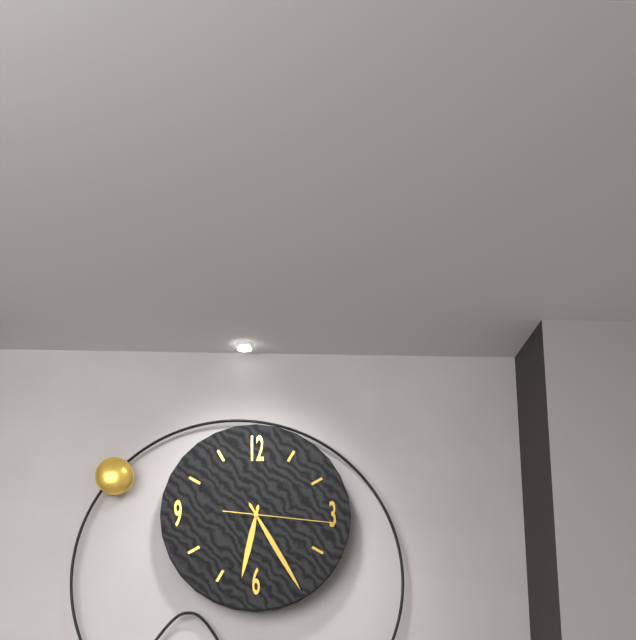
6:25:16
